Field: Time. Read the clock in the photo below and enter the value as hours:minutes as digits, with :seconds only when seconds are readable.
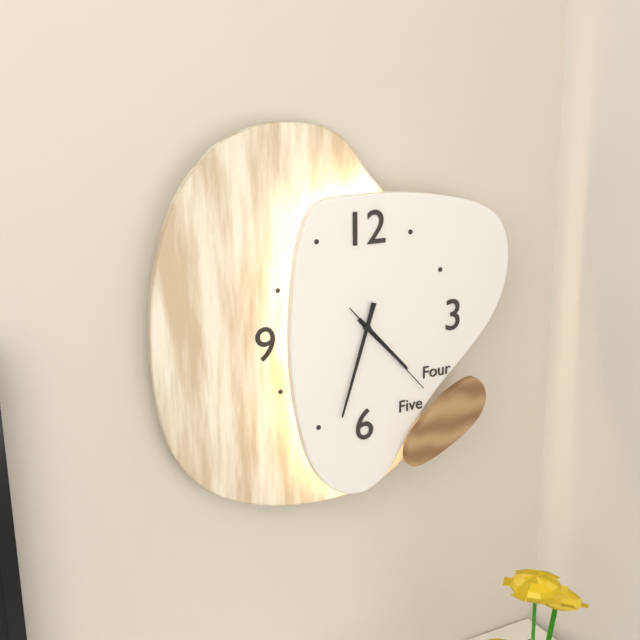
4:33:23
